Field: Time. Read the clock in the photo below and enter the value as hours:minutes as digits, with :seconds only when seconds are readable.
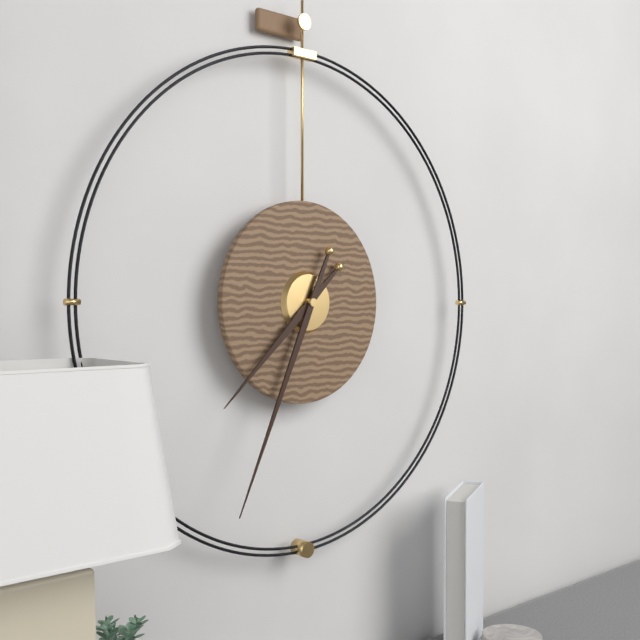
7:34
